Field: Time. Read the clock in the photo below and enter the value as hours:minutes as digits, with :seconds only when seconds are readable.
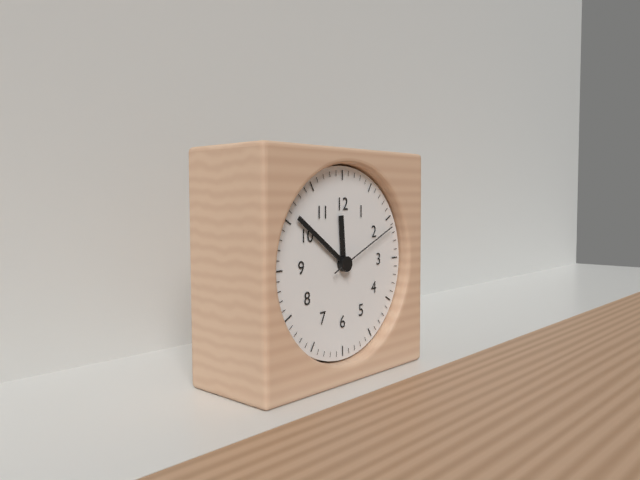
11:51:11
